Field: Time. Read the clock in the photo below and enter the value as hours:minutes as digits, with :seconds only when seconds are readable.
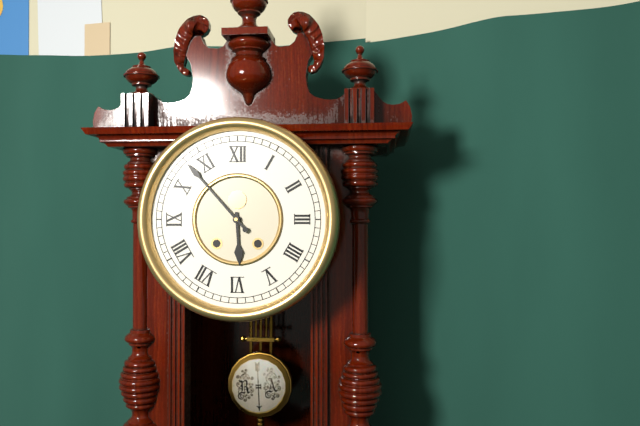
5:53
